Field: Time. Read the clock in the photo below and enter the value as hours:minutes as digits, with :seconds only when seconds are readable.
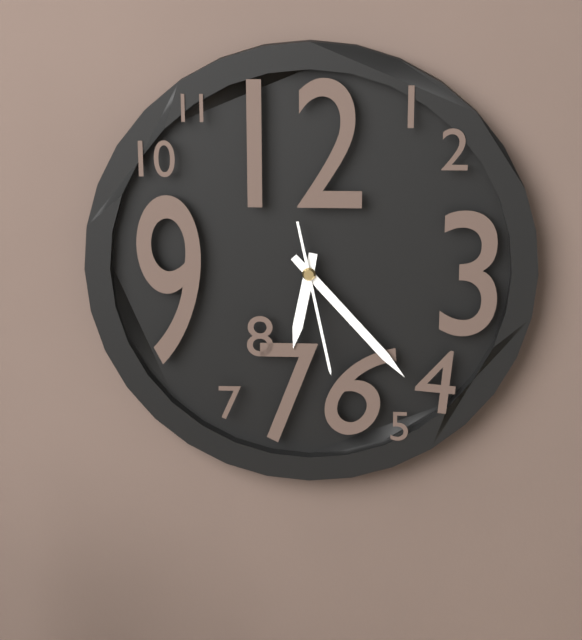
6:23:28
